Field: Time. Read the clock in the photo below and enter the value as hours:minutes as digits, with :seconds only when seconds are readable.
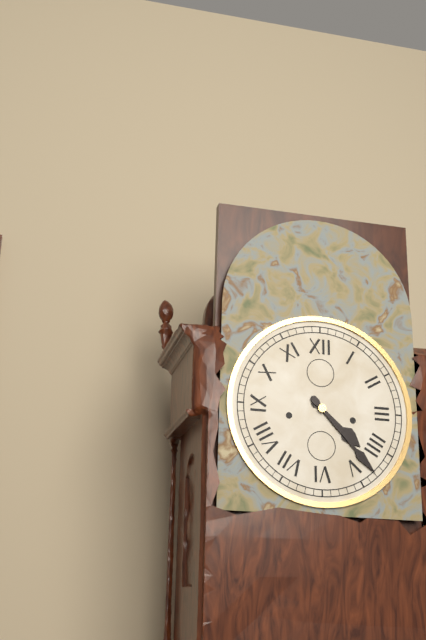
4:23
